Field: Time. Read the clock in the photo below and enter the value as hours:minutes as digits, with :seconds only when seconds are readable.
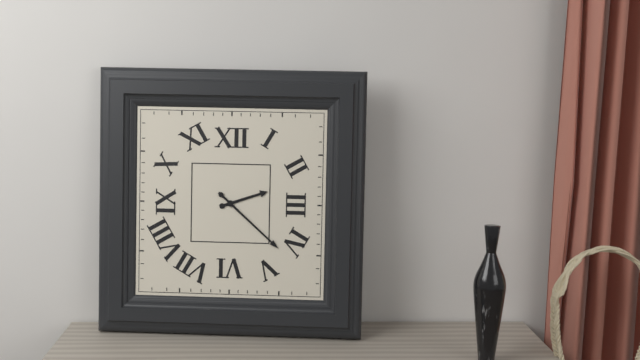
2:22
